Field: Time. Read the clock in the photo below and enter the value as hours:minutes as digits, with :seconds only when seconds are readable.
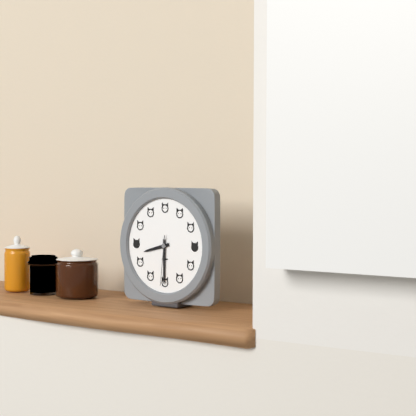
8:30:31
